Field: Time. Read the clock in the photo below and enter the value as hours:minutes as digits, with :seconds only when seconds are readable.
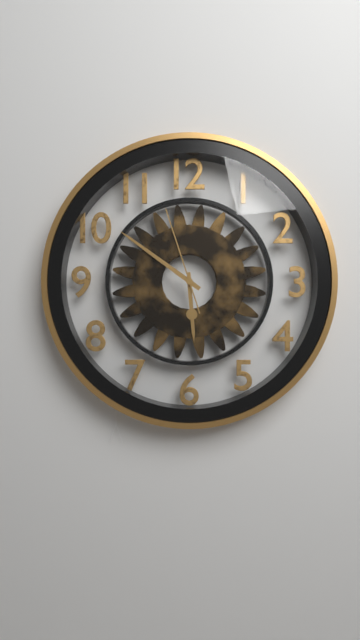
5:51:57
